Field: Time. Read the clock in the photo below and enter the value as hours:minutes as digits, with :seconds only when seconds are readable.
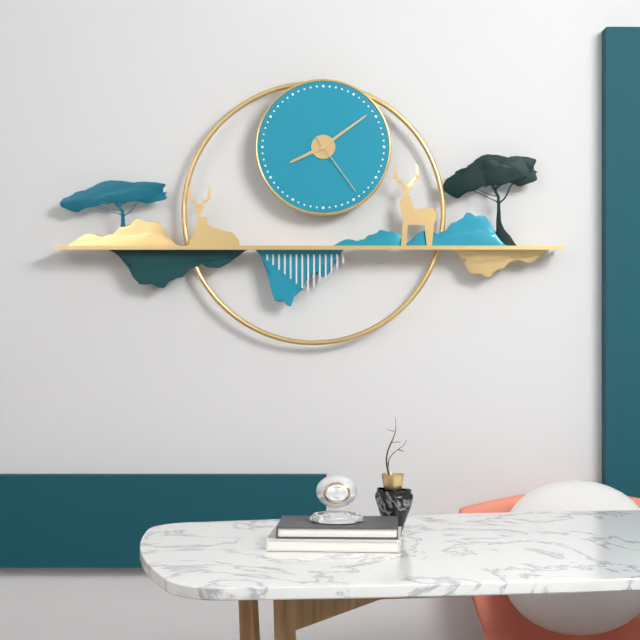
8:09:24
